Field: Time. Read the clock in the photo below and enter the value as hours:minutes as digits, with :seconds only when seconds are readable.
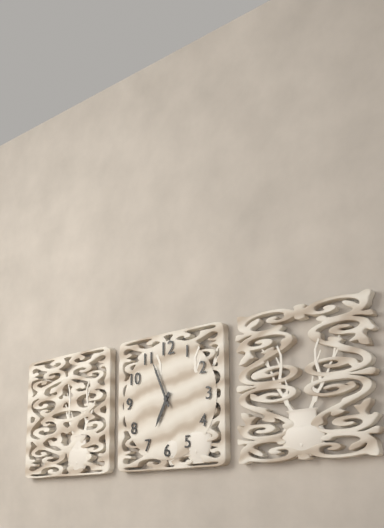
6:56
